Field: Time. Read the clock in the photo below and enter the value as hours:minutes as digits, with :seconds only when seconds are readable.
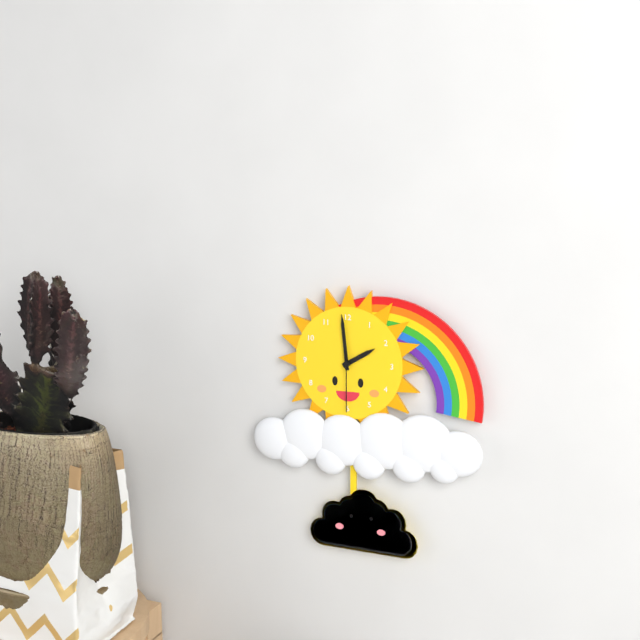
1:59:30
